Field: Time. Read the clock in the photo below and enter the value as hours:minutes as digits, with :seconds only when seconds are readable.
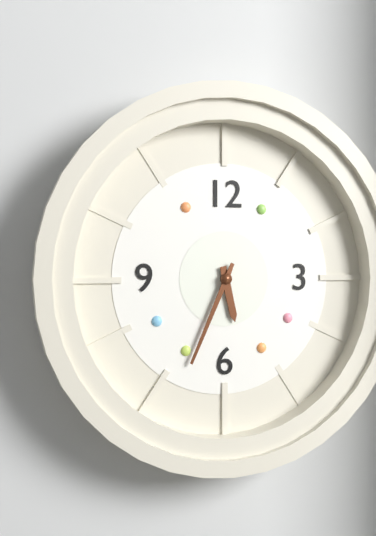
5:34
